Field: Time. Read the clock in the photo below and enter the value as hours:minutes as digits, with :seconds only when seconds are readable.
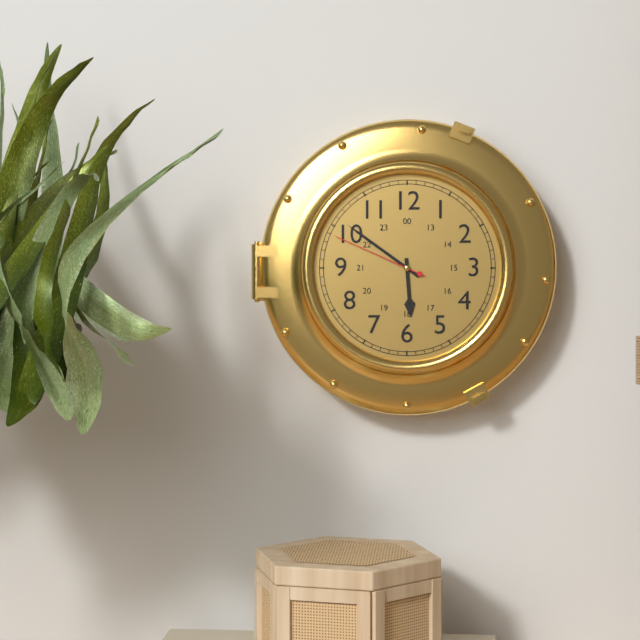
5:51:49
